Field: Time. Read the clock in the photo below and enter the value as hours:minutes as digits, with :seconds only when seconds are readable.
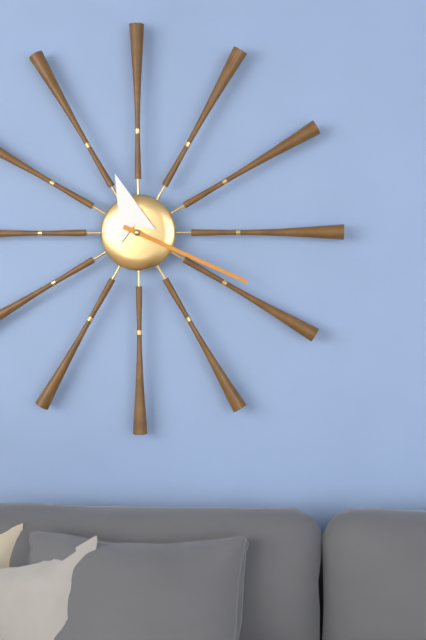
11:19
